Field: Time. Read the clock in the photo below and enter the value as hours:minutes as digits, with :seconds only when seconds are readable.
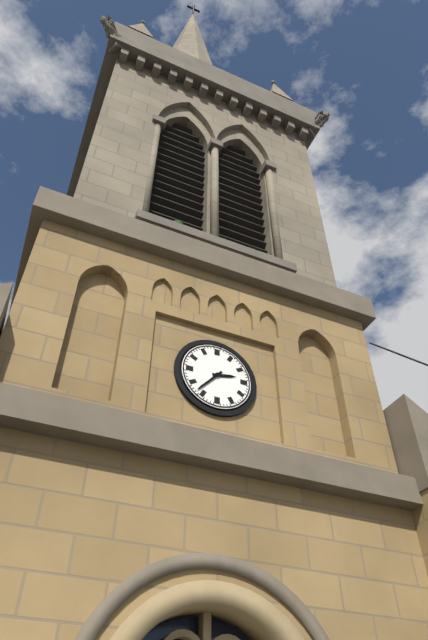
2:37
